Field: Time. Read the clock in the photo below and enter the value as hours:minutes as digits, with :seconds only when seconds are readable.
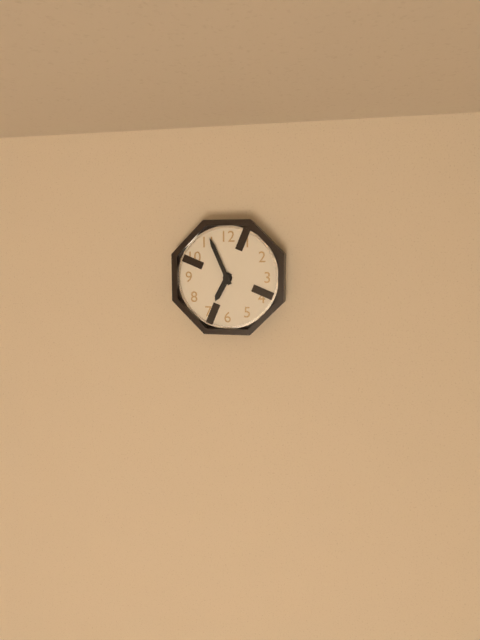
6:56
